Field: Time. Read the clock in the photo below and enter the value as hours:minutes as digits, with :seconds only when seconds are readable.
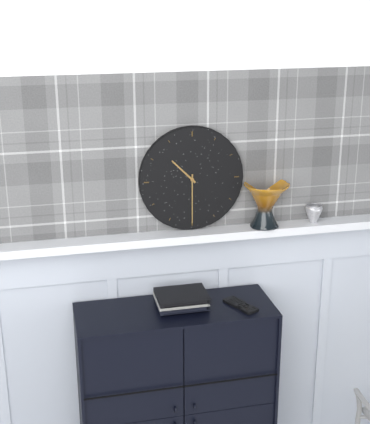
10:30
